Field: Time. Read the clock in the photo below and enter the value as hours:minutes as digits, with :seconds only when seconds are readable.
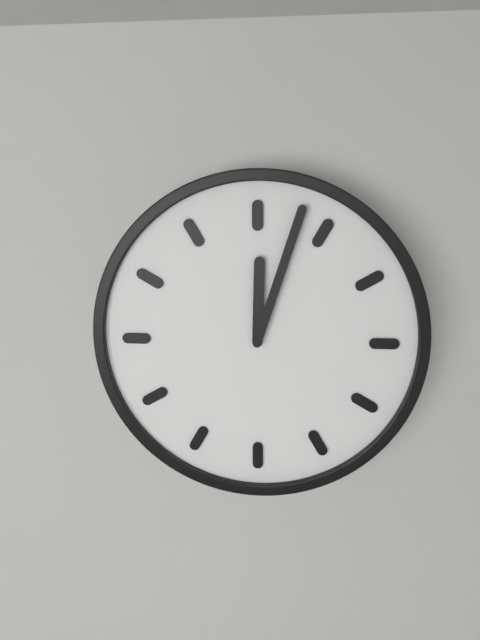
12:03
